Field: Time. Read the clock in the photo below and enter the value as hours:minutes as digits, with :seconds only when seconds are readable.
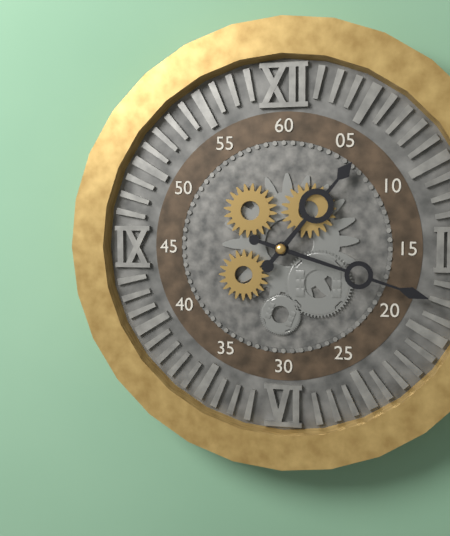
1:18
